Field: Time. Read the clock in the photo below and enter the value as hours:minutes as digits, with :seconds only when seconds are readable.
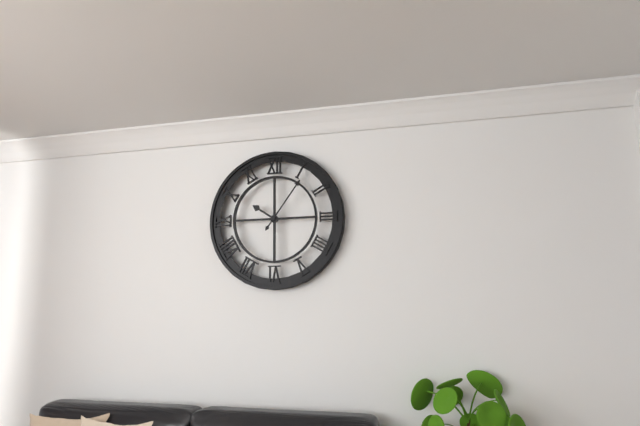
10:06
